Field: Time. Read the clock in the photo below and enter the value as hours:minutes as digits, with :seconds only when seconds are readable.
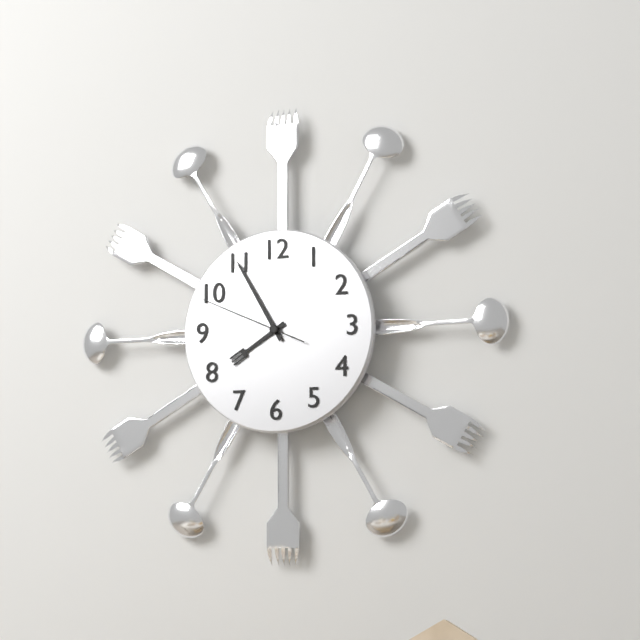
7:55:49
